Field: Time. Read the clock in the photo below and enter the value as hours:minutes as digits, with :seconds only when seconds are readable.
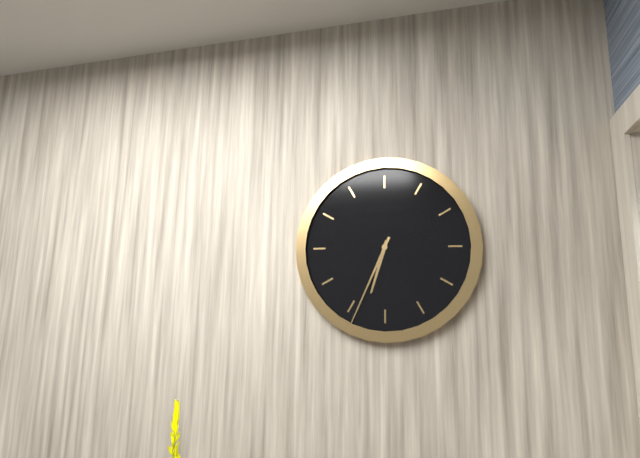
6:34
